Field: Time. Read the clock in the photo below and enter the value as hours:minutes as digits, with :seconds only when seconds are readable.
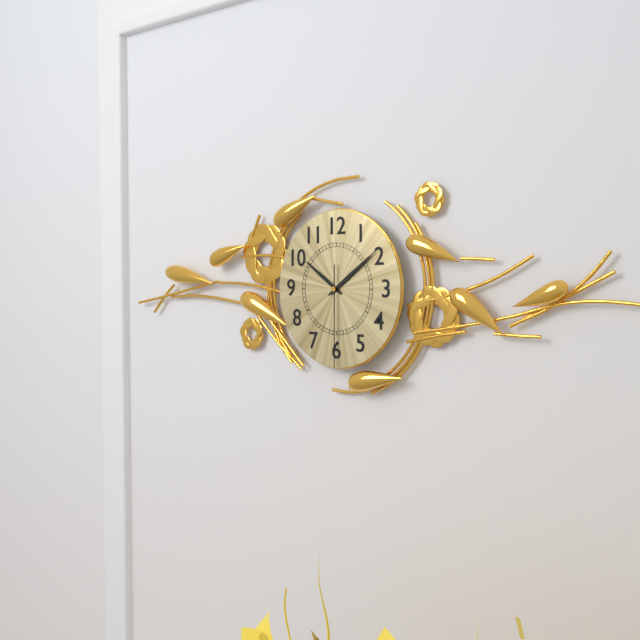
10:09:30
